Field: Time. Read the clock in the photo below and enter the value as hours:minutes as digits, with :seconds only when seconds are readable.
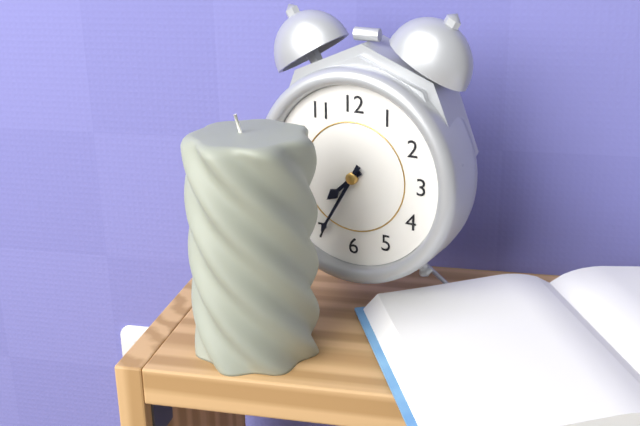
7:35
